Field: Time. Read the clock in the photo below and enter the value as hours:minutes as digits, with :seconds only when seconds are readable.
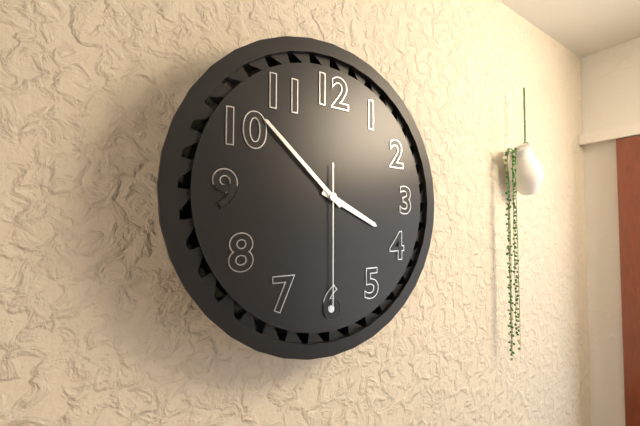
3:52:30
